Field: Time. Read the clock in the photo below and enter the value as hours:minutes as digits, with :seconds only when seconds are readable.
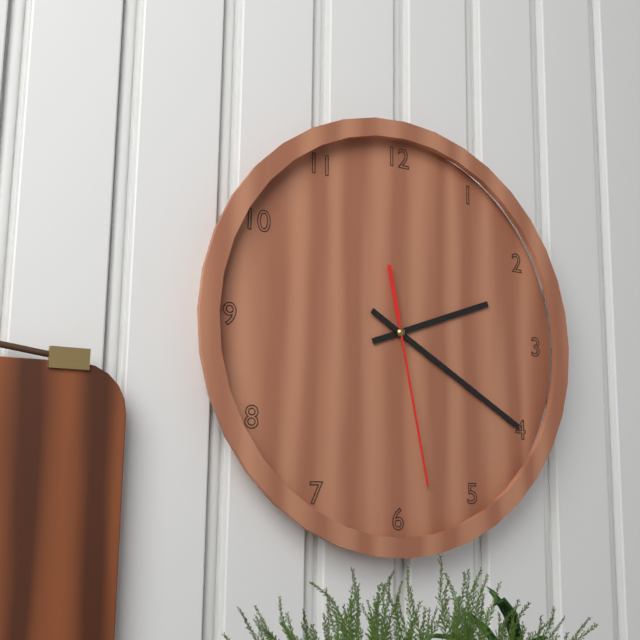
2:20:28
